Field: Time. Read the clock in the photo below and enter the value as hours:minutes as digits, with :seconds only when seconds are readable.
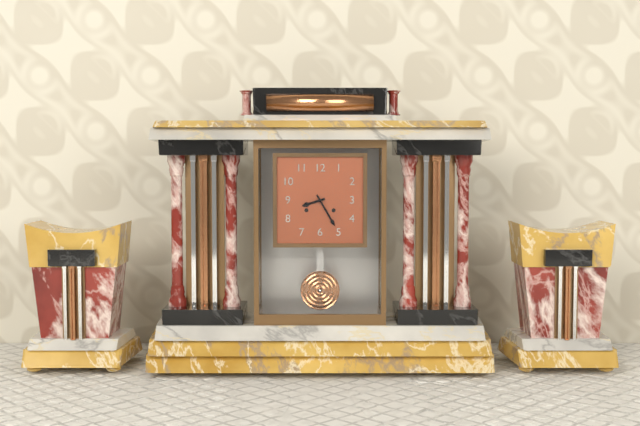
8:25
